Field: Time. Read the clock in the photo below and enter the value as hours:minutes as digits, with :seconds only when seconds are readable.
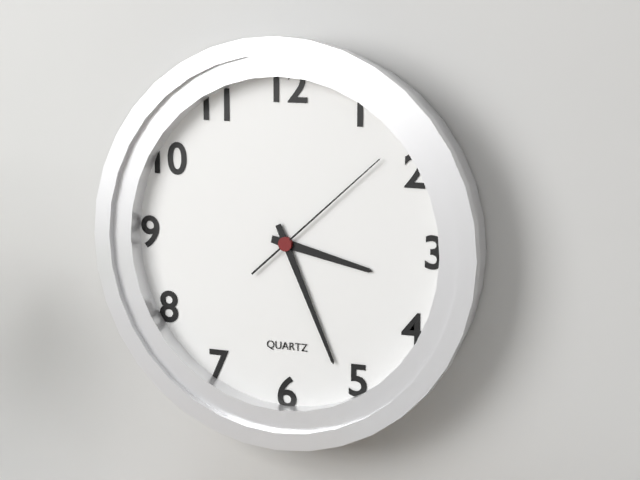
3:26:08
